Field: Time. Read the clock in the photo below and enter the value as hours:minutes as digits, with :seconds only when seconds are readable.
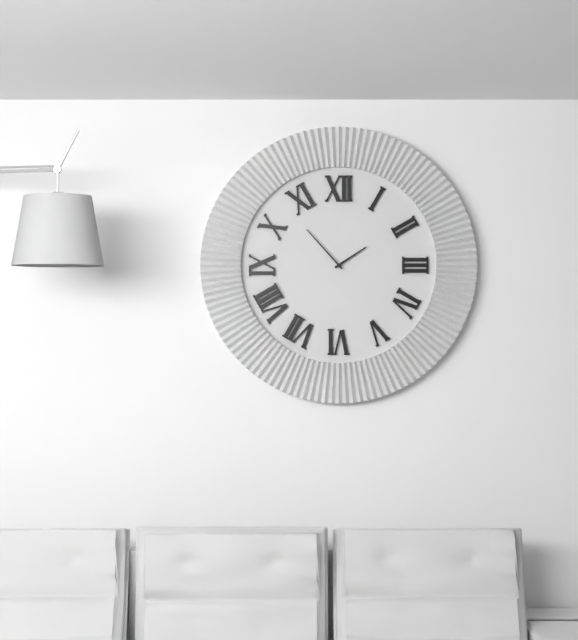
1:53
